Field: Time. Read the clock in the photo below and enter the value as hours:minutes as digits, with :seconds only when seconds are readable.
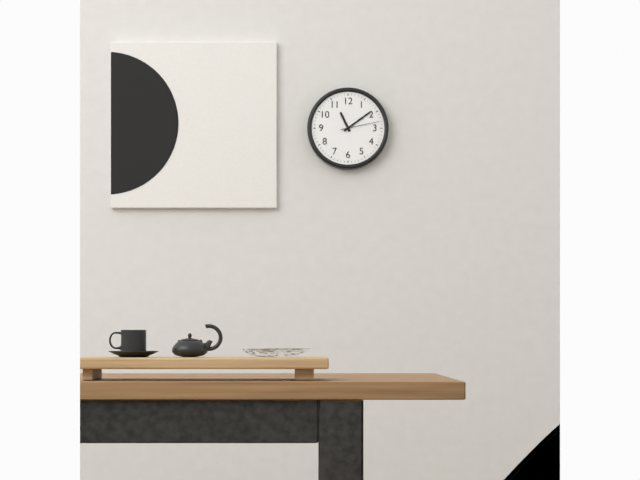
11:09
